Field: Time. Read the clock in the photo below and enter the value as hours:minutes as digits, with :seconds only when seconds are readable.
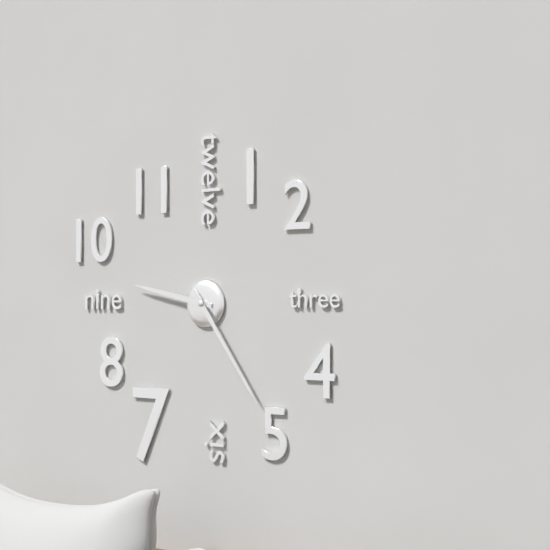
9:24
